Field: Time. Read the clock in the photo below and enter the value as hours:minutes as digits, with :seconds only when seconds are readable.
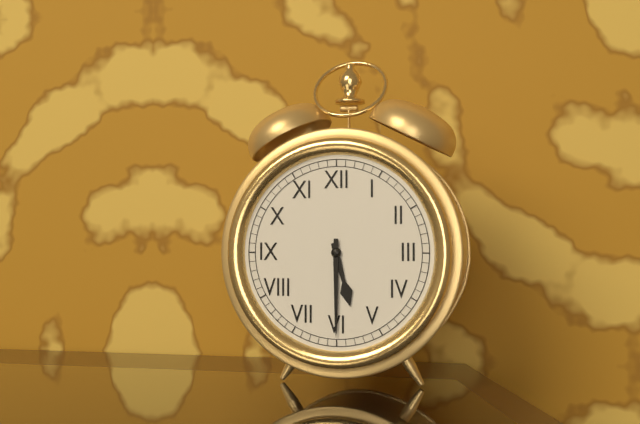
5:30
